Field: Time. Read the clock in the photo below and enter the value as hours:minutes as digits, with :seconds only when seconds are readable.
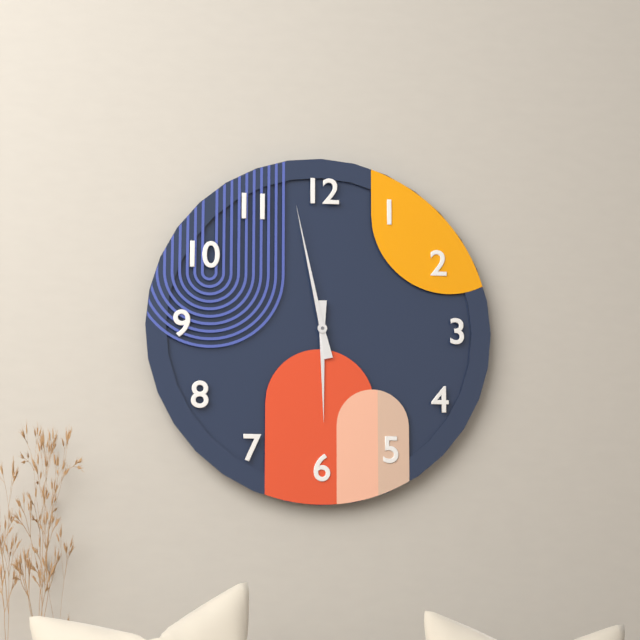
5:58
